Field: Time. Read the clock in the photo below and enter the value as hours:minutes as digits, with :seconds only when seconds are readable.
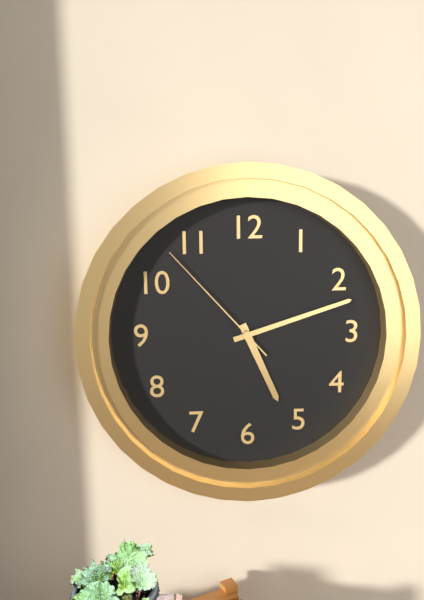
5:12:53
